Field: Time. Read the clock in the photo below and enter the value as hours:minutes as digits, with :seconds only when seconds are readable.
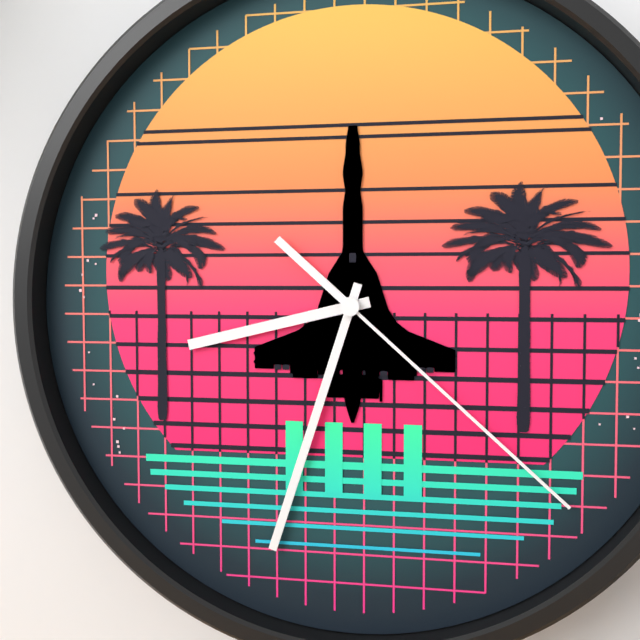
8:33:22
